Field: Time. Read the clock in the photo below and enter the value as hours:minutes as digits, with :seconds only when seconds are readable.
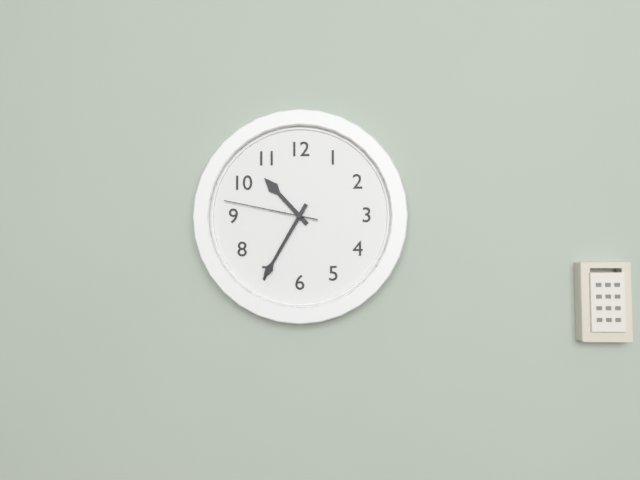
10:35:47
